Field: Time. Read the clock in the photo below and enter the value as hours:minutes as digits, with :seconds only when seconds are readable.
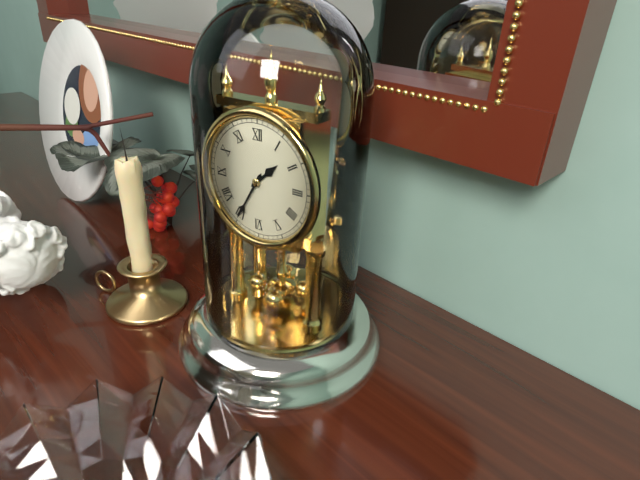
1:35
